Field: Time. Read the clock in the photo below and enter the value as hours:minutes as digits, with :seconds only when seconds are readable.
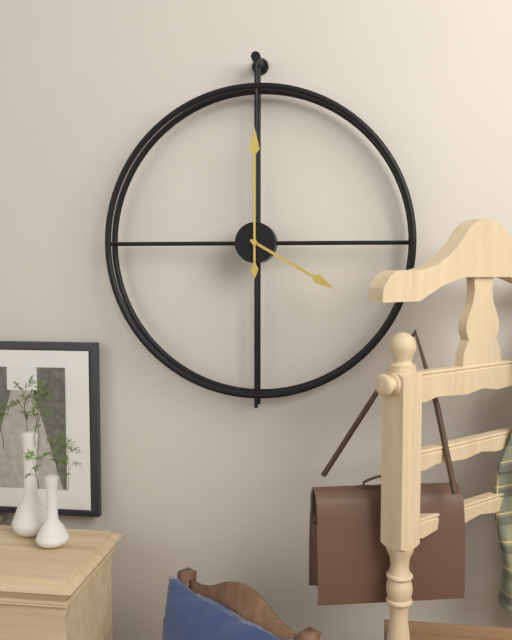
4:00
